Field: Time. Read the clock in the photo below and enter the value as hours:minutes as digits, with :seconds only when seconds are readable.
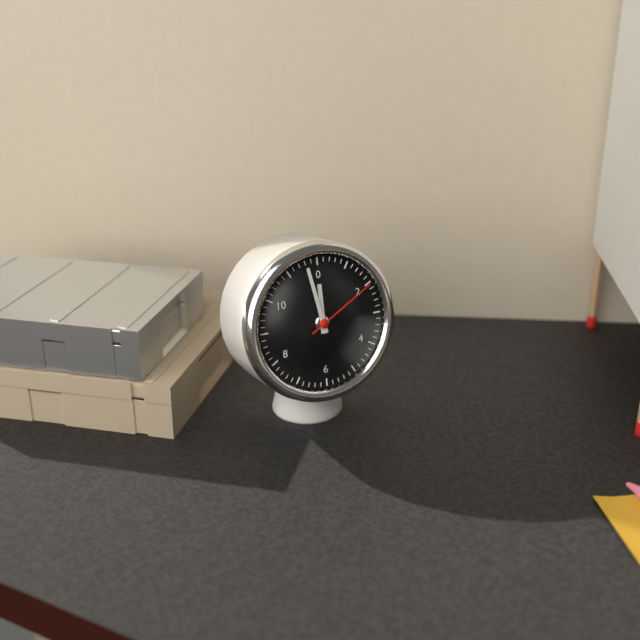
11:58:10
